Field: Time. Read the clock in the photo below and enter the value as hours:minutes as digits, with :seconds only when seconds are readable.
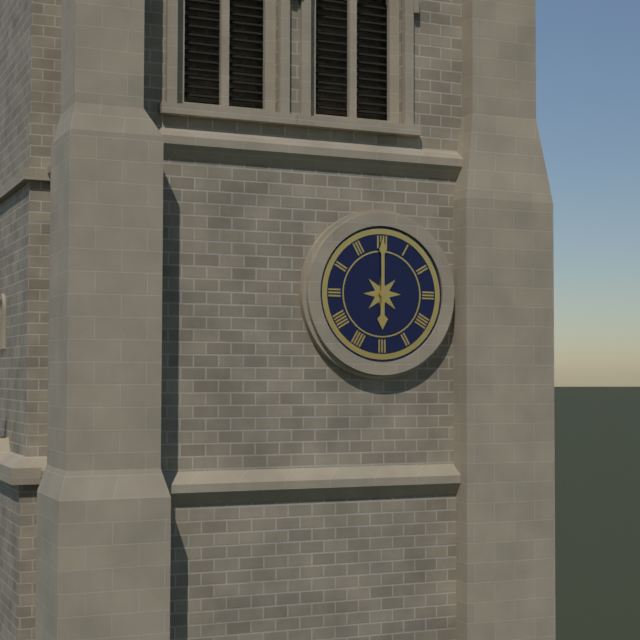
6:00
